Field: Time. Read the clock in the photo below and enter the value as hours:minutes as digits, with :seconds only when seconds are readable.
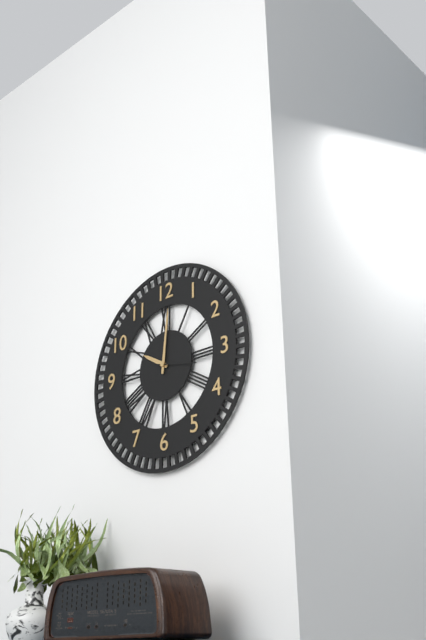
10:01
